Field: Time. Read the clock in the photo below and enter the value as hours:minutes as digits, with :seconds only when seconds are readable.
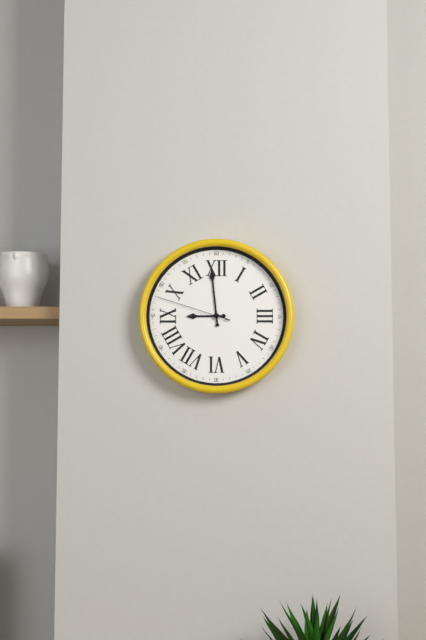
8:59:48
